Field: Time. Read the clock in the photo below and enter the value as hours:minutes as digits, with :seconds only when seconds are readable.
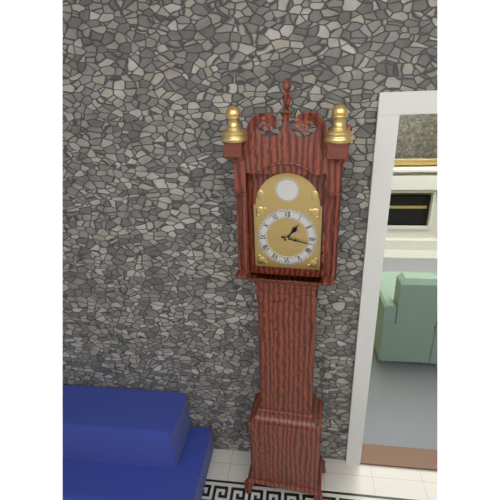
1:17
